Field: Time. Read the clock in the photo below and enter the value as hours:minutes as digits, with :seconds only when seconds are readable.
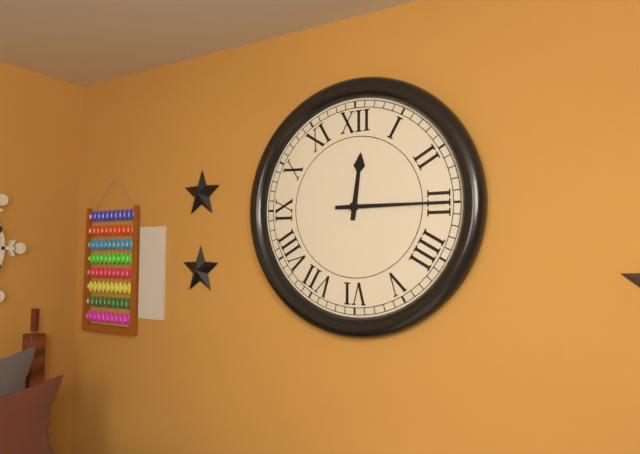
12:15
